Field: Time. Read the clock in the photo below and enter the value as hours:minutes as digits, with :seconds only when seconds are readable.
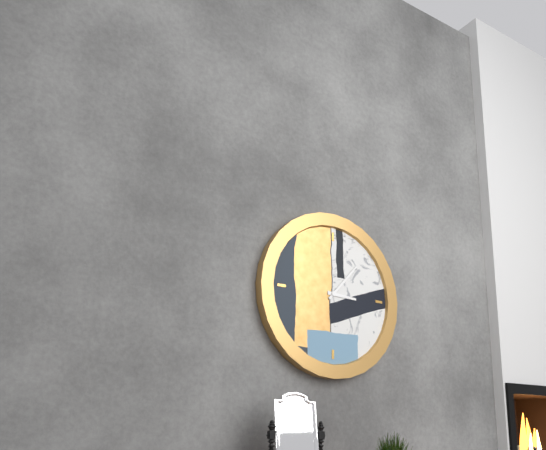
3:07
